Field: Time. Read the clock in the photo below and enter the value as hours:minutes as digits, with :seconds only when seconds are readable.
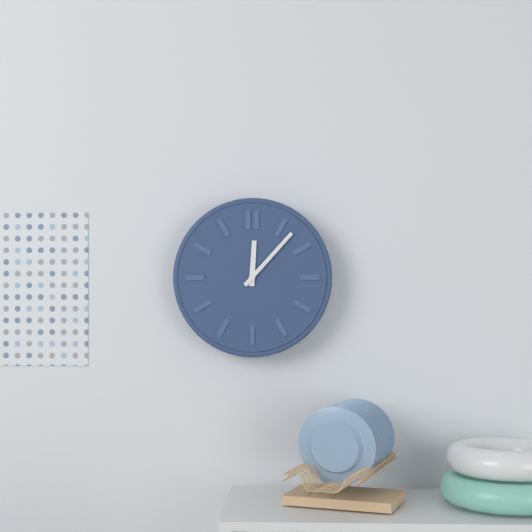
12:07
